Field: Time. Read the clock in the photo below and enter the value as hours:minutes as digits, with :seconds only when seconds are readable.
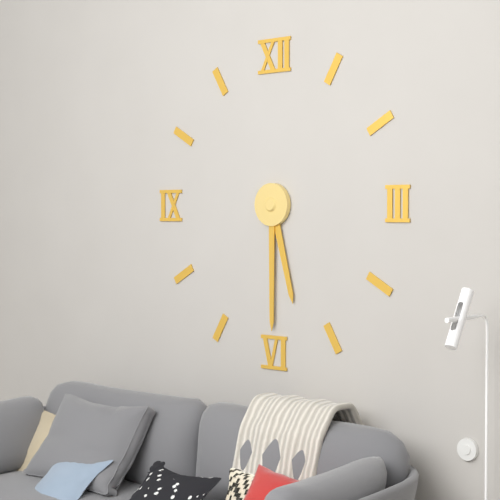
5:30
